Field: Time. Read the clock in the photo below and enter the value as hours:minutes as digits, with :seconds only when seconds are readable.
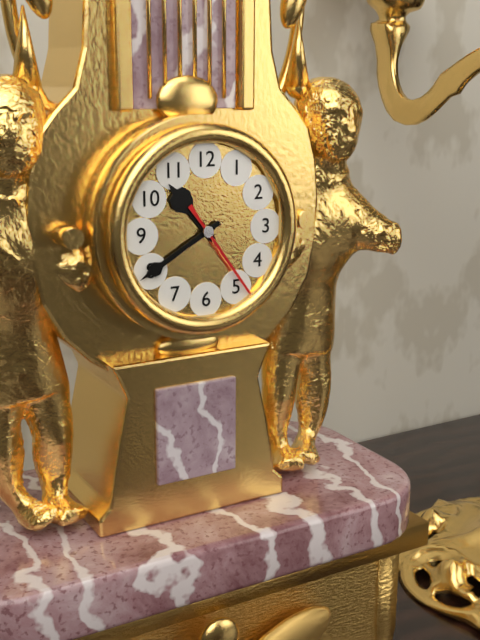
10:40:24
